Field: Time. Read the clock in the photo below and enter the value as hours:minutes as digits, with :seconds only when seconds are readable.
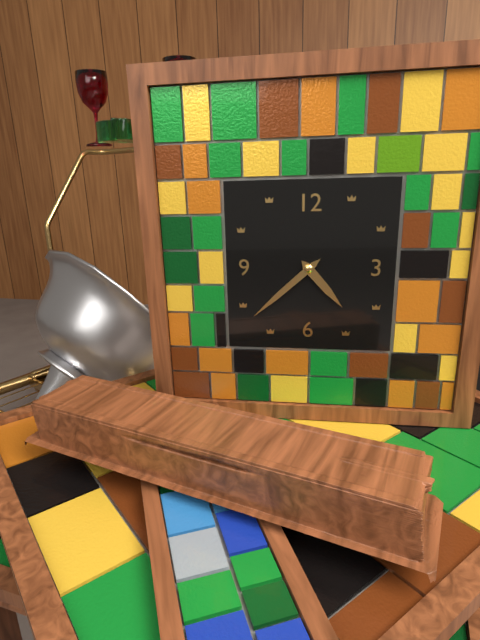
4:38
